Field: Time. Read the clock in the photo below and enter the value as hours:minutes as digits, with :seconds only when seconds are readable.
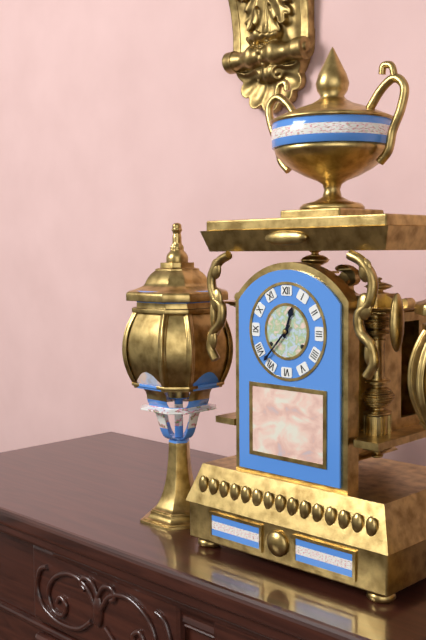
12:37
